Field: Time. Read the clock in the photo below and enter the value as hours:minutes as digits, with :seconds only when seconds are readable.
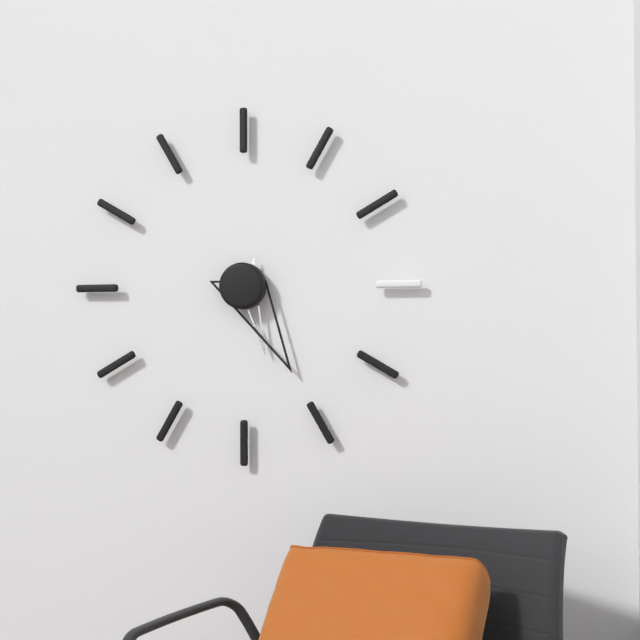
5:25
